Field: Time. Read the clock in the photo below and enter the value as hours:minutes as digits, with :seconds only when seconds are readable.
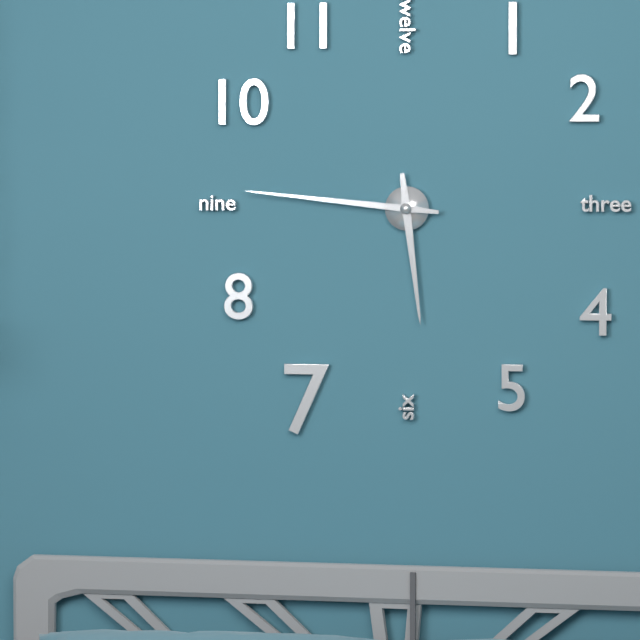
5:46
